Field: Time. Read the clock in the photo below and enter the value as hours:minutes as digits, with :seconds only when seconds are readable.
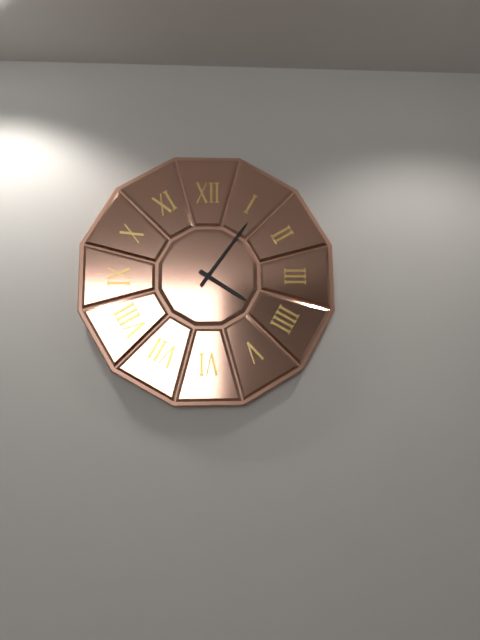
4:06
